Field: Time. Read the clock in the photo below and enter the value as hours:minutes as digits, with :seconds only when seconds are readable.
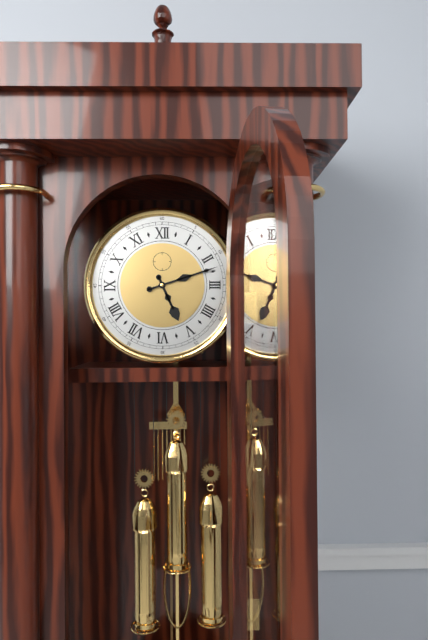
5:12
